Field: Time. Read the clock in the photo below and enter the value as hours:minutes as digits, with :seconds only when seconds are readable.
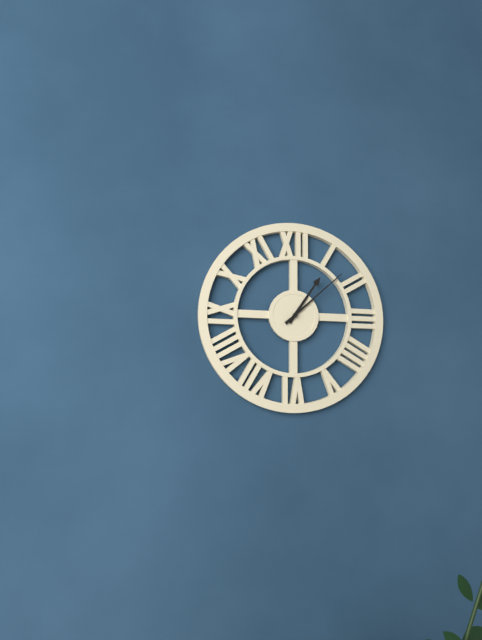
1:08
